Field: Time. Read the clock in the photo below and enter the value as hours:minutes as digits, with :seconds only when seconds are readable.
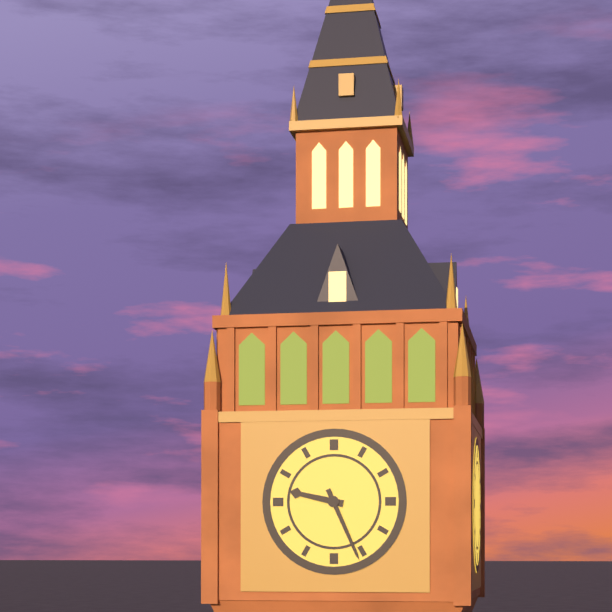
9:26
